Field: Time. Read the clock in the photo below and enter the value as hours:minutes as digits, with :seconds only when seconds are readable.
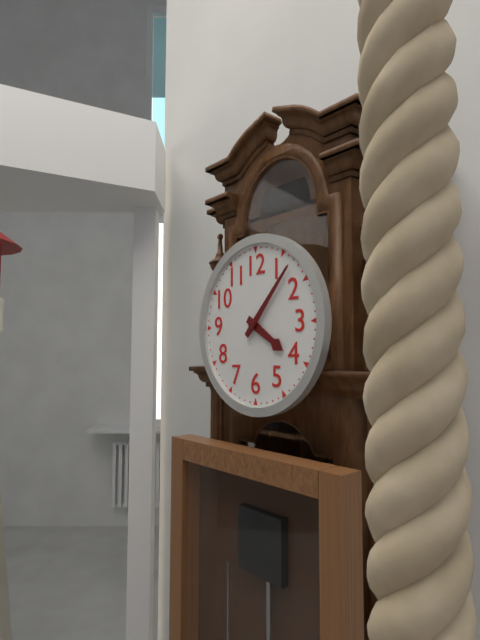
4:07
